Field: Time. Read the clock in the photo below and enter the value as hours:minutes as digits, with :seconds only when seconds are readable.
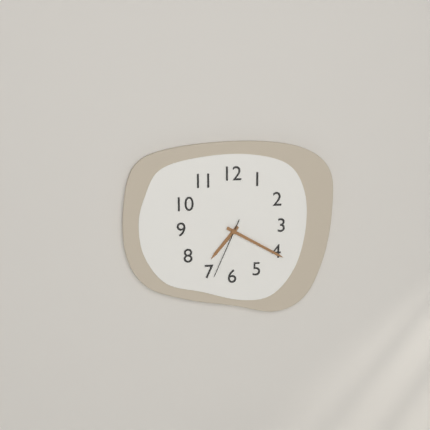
7:20:34
